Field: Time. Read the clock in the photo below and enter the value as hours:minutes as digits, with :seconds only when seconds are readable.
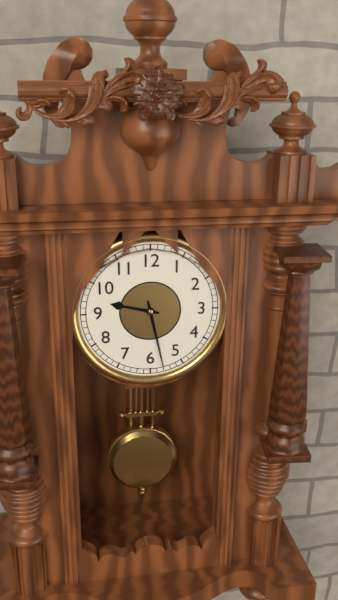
9:28
